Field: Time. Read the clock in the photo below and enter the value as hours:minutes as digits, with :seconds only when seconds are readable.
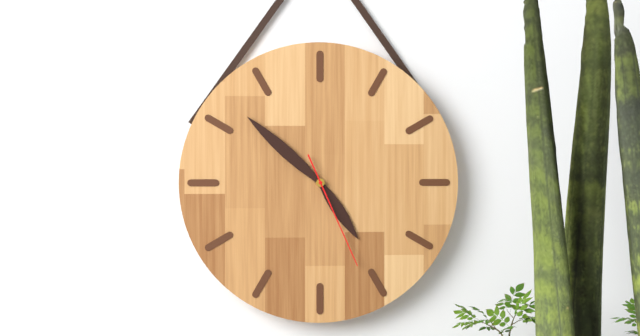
4:52:26
